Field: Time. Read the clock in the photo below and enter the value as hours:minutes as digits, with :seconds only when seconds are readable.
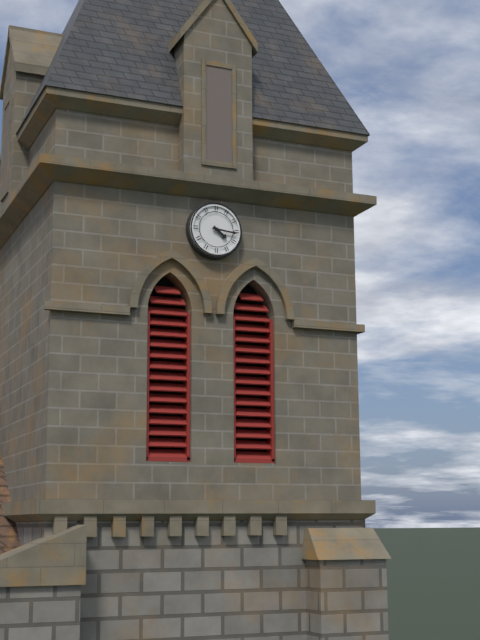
4:16
